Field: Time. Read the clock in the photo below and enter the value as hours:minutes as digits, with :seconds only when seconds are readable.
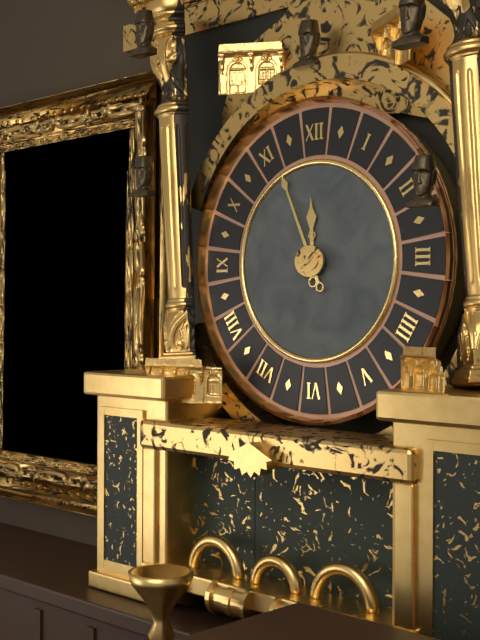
11:56
